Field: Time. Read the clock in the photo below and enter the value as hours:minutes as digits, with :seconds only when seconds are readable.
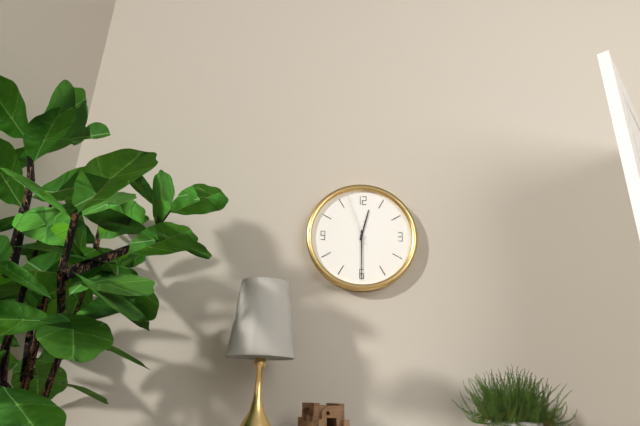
12:30:57
